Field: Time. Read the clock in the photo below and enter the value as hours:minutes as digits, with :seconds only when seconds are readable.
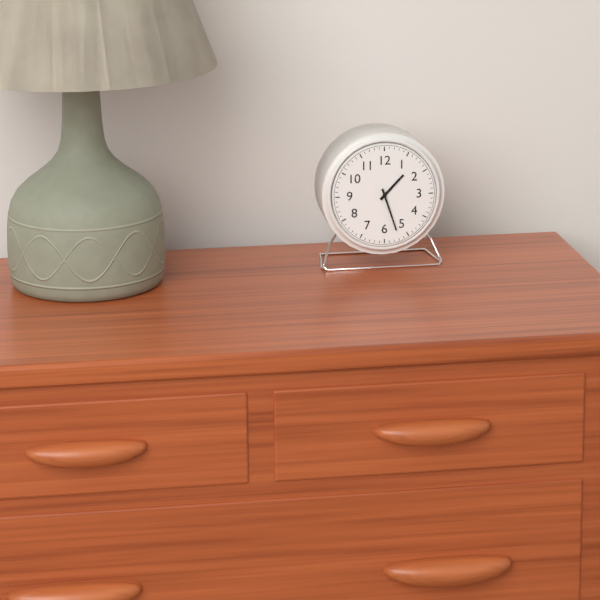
1:27
